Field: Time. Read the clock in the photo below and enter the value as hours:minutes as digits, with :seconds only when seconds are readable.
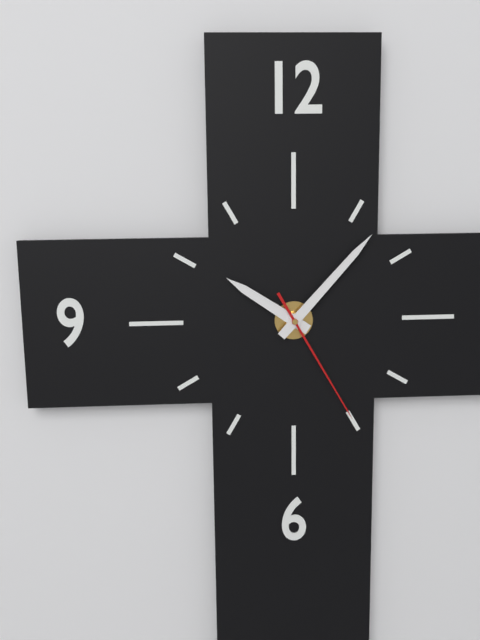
10:07:25
